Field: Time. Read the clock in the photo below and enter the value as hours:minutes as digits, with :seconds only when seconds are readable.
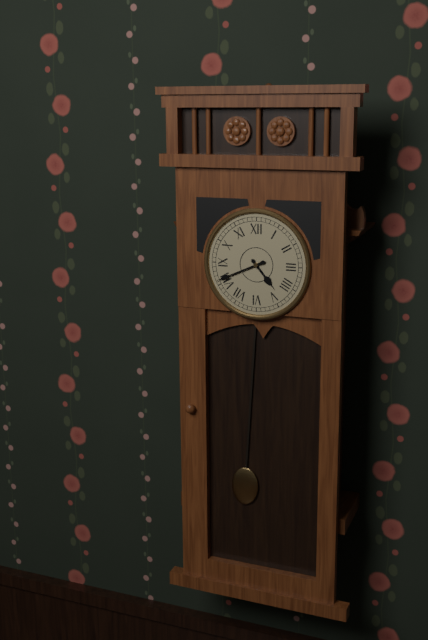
4:41
